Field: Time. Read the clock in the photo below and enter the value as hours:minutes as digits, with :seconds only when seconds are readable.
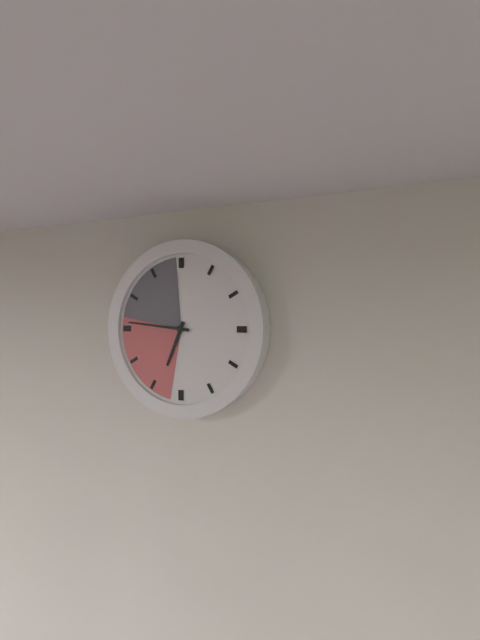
6:46
